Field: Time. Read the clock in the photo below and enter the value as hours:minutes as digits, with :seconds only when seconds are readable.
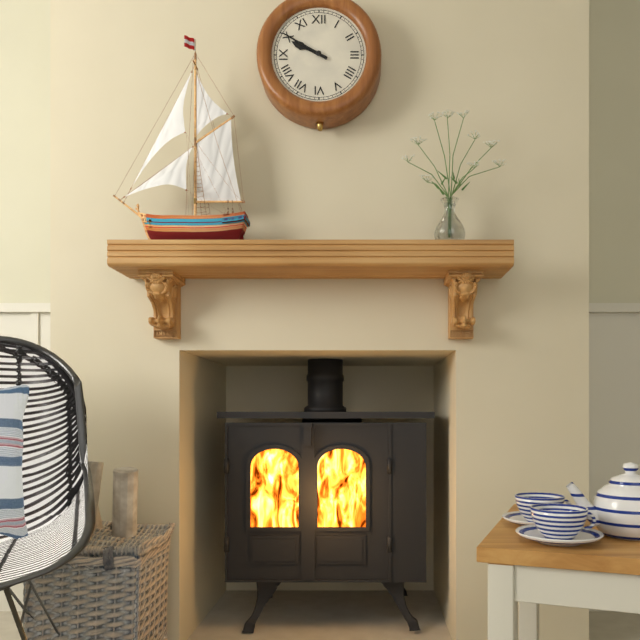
9:50
